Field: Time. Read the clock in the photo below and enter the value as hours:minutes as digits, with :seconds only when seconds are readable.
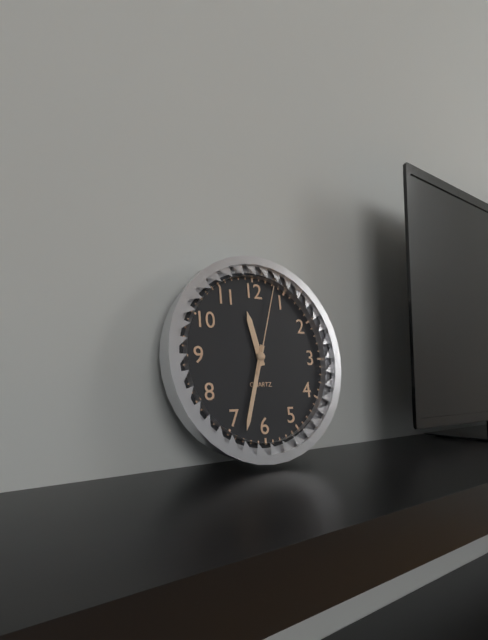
11:33:03
